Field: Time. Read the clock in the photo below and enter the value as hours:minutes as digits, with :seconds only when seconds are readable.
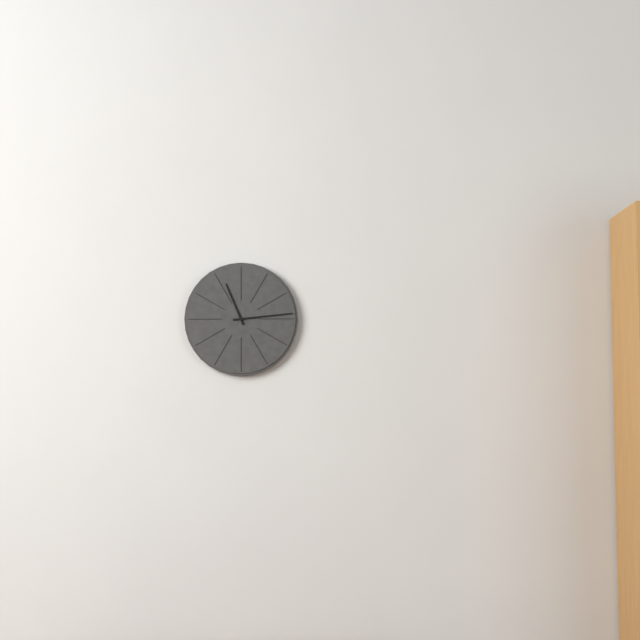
11:14
